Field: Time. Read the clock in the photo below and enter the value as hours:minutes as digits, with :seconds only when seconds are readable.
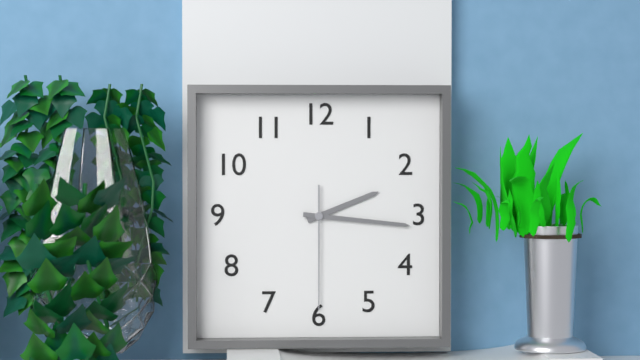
2:16:30
